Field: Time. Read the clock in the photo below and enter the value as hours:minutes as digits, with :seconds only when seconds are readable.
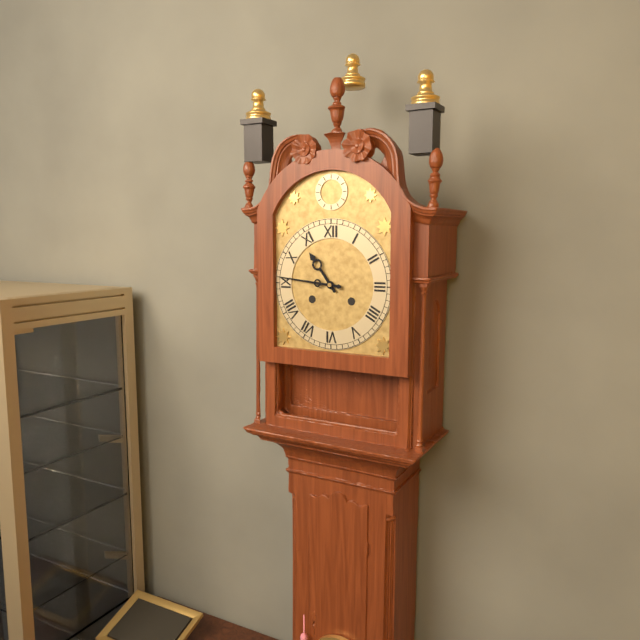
10:46
